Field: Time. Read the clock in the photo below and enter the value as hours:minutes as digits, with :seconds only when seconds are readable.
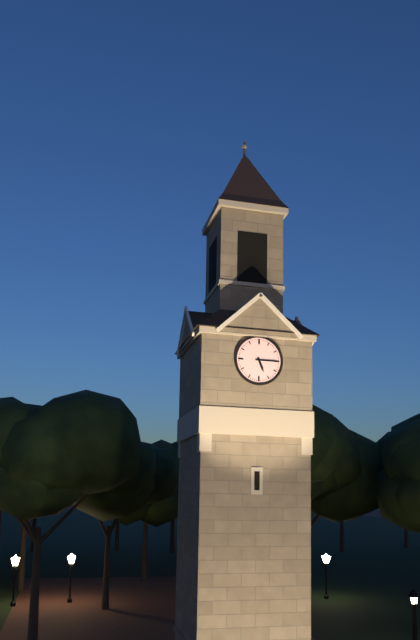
5:15
